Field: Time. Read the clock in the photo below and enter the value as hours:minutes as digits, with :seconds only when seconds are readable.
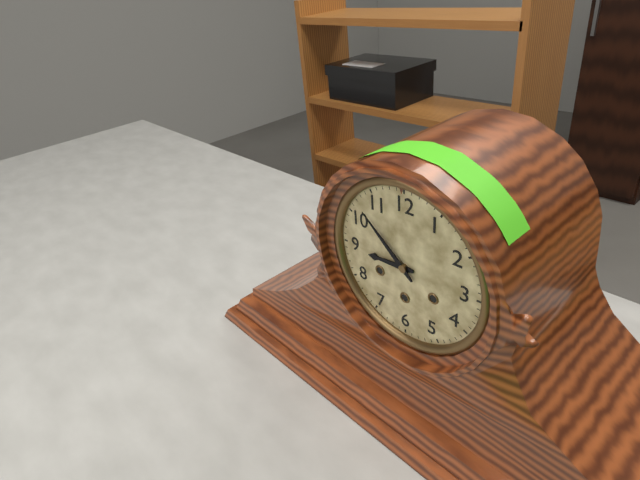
8:52
